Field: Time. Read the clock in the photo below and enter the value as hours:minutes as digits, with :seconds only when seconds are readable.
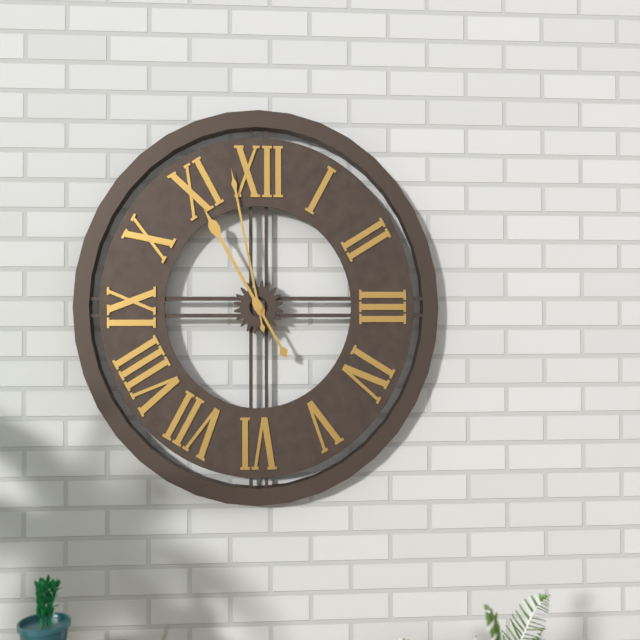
10:58
